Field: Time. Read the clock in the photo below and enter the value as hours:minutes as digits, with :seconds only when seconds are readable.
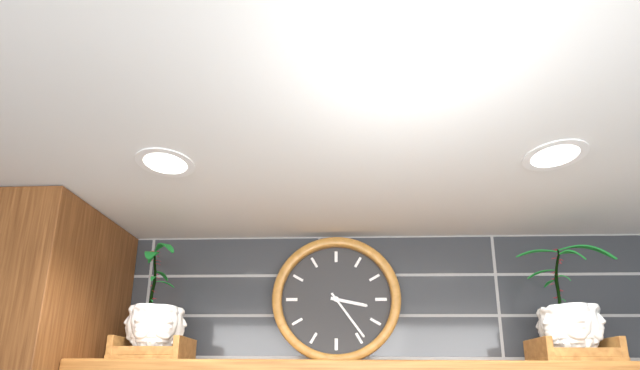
3:24
